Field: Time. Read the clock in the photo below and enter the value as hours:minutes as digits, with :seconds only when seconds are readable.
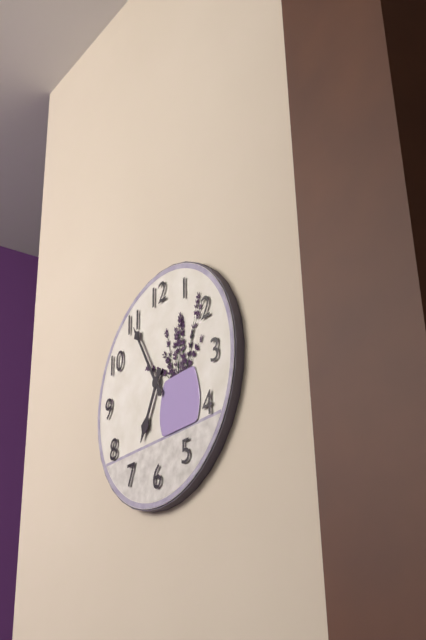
6:55
